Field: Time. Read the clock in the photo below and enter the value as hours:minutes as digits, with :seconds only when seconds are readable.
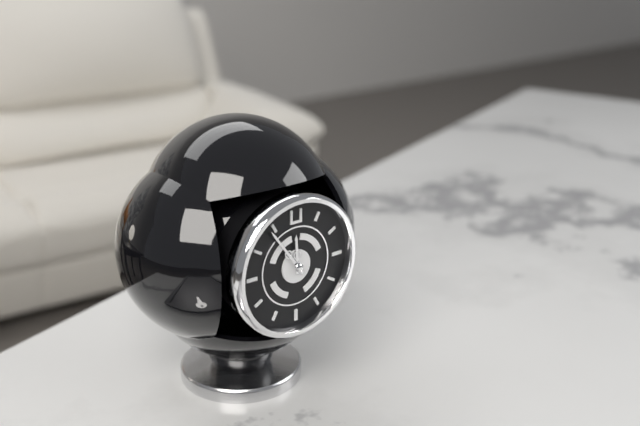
11:54
